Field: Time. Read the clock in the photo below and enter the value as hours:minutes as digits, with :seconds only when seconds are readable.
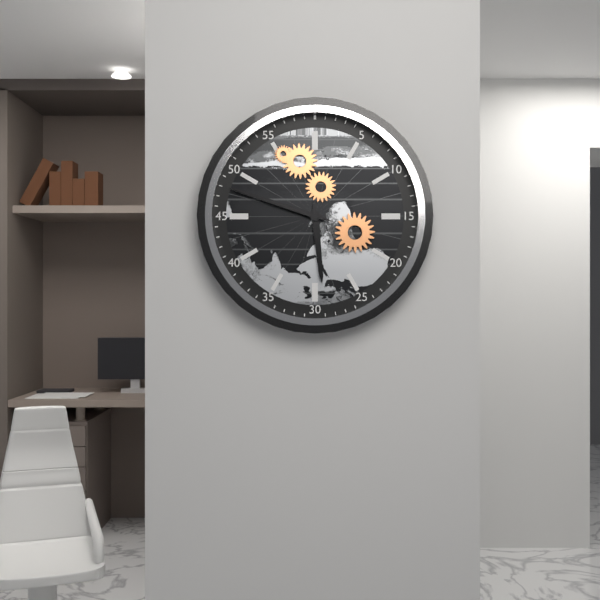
5:48
